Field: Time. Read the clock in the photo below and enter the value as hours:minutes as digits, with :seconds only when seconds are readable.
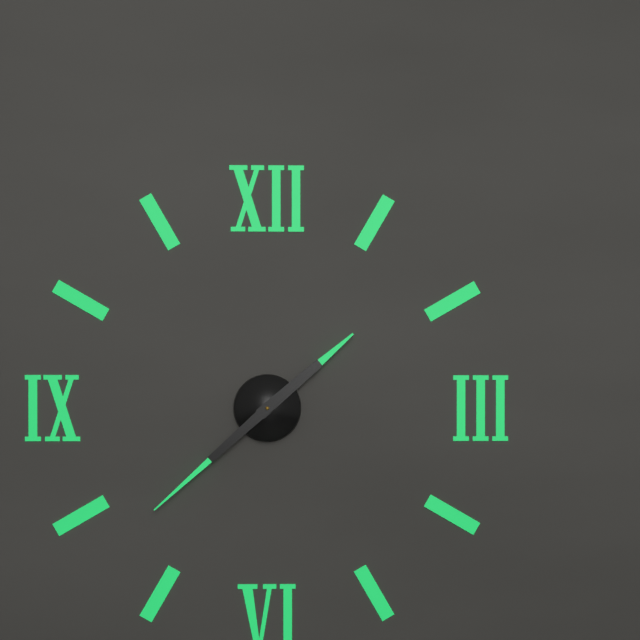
1:38
